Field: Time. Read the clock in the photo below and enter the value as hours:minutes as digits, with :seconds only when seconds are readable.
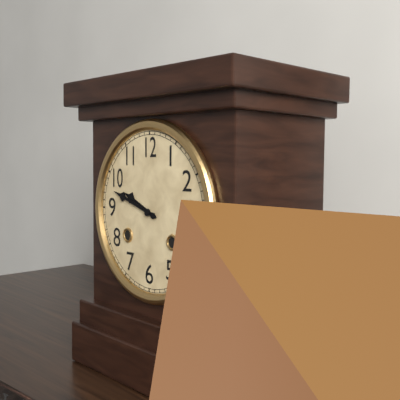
9:48
